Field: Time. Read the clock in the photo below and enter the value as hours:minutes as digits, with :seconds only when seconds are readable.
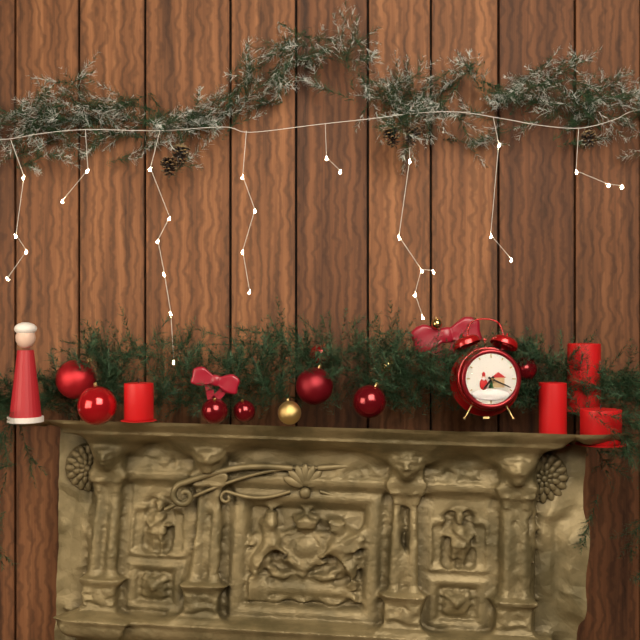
7:19
